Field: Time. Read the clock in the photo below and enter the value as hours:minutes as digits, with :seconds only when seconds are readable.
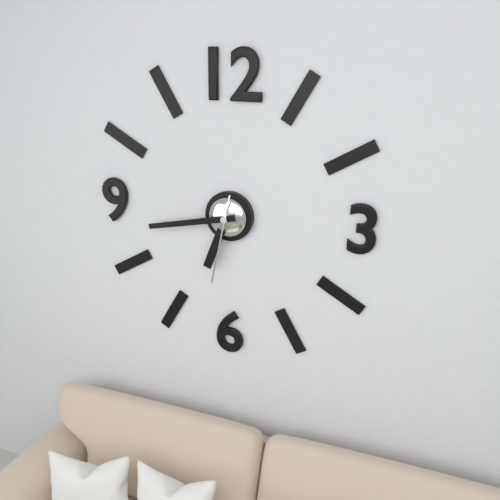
6:43:32
